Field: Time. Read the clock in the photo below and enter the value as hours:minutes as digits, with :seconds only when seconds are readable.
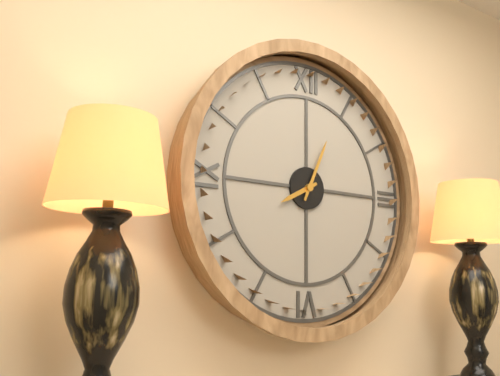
8:04
